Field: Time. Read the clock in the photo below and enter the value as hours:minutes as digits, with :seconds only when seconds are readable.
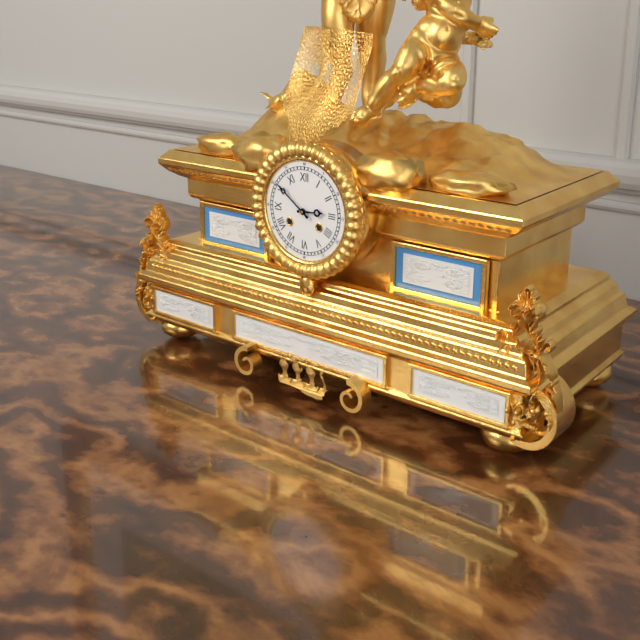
2:51
